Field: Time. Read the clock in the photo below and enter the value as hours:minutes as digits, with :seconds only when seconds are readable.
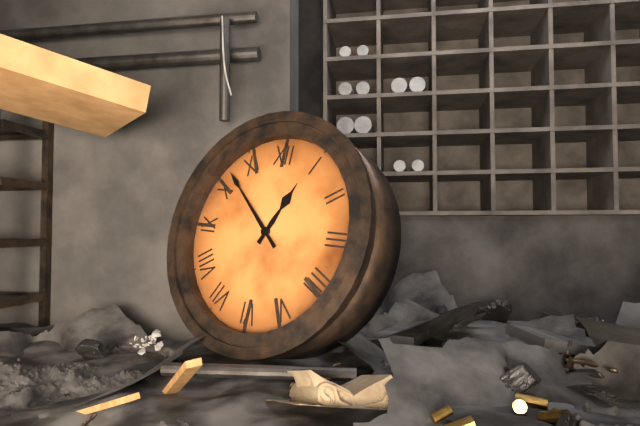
12:52
